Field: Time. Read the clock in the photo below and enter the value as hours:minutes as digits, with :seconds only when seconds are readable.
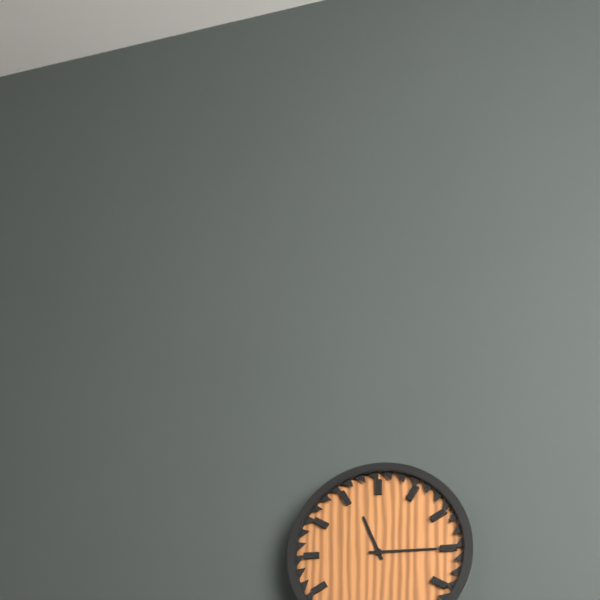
11:15
